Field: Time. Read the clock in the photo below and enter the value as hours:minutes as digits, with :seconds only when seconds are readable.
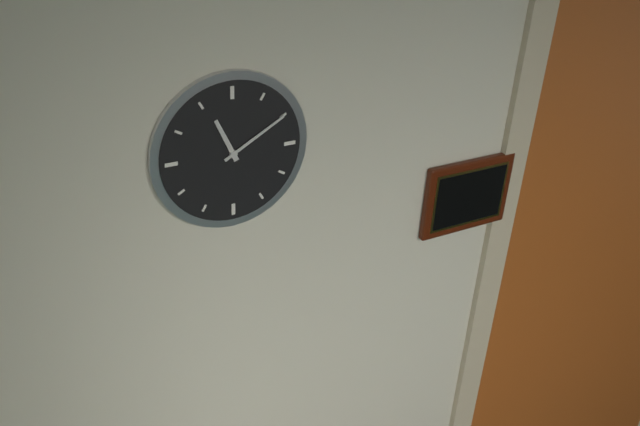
11:10
